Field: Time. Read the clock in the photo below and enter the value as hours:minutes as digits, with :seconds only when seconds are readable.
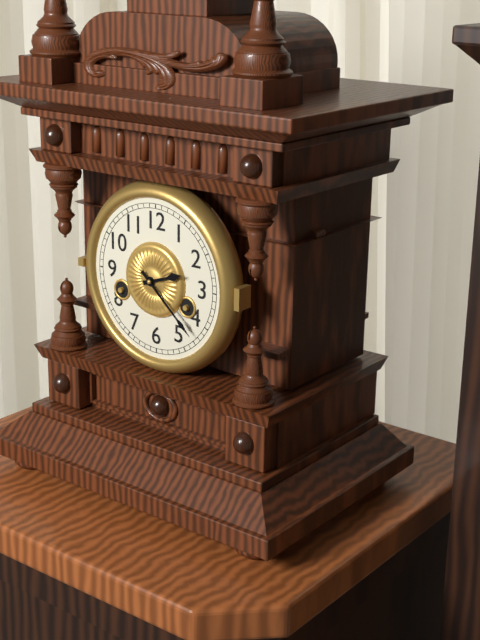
2:22
